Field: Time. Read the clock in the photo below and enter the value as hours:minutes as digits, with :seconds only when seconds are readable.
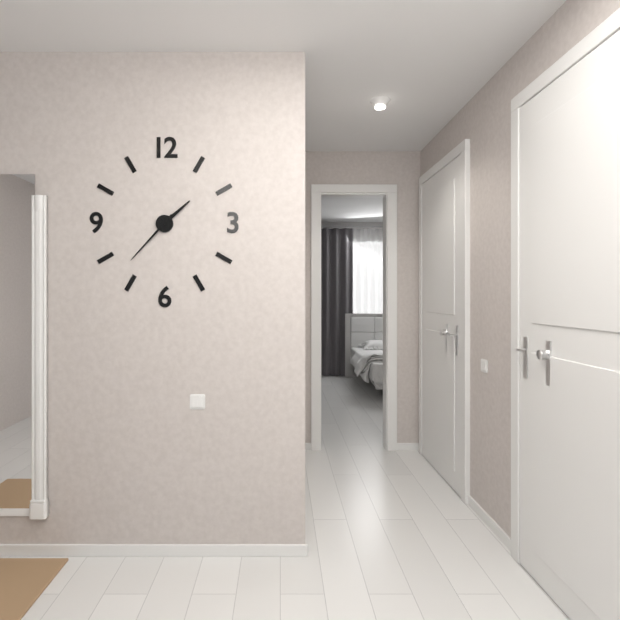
1:37
